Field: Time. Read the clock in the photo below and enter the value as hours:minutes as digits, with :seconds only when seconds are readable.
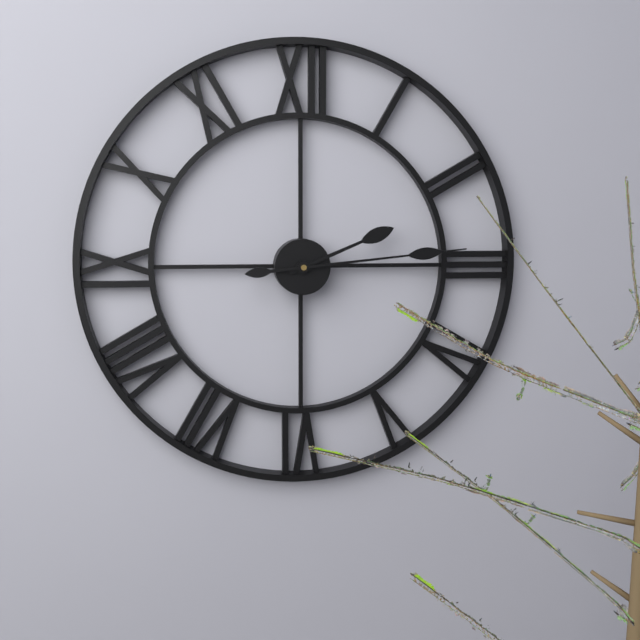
2:14
